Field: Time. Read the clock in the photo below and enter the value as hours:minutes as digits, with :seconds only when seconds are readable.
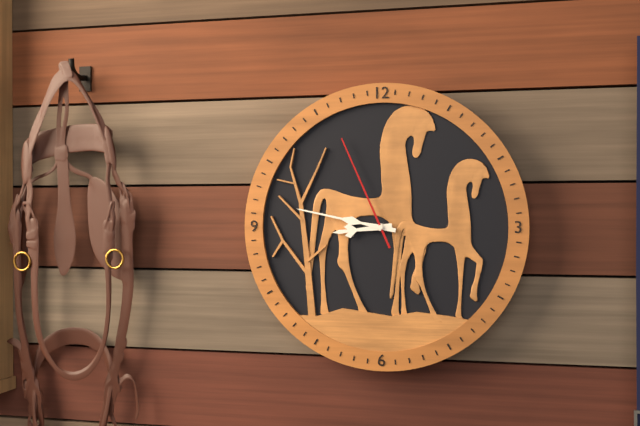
8:47:56
